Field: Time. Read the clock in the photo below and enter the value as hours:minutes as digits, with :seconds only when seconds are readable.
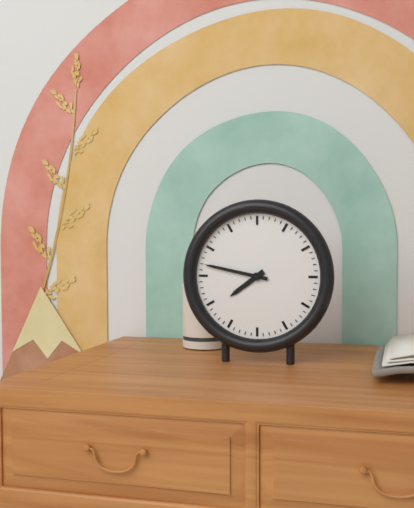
7:47
